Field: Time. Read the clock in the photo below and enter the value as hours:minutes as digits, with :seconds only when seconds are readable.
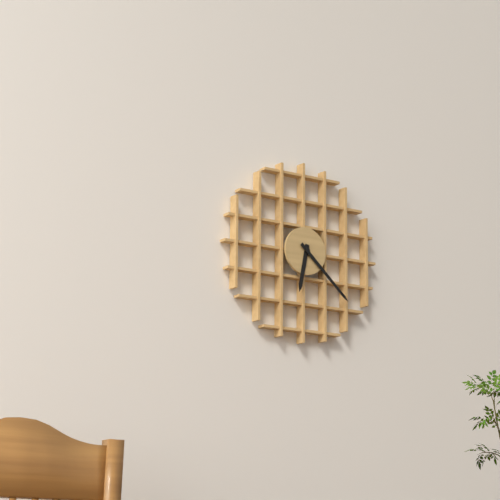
6:22
